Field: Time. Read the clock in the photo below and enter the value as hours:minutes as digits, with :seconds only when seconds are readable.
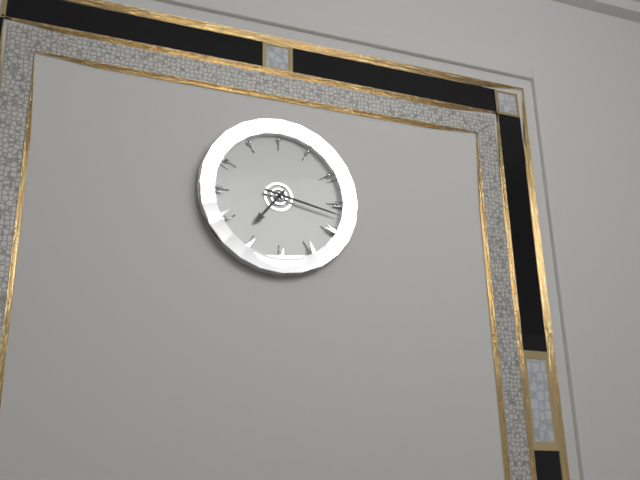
7:17
